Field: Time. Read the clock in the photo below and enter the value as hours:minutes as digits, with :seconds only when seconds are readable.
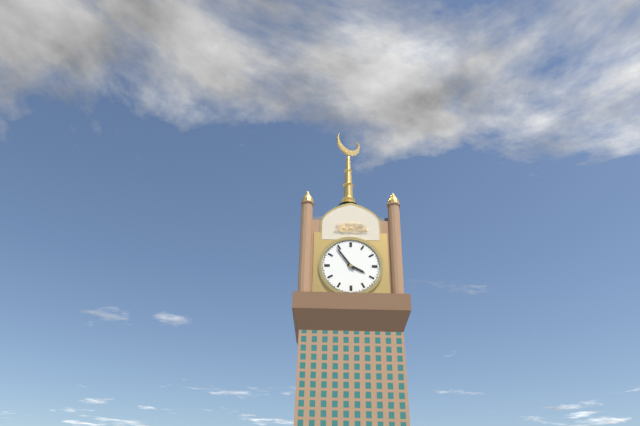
3:54
